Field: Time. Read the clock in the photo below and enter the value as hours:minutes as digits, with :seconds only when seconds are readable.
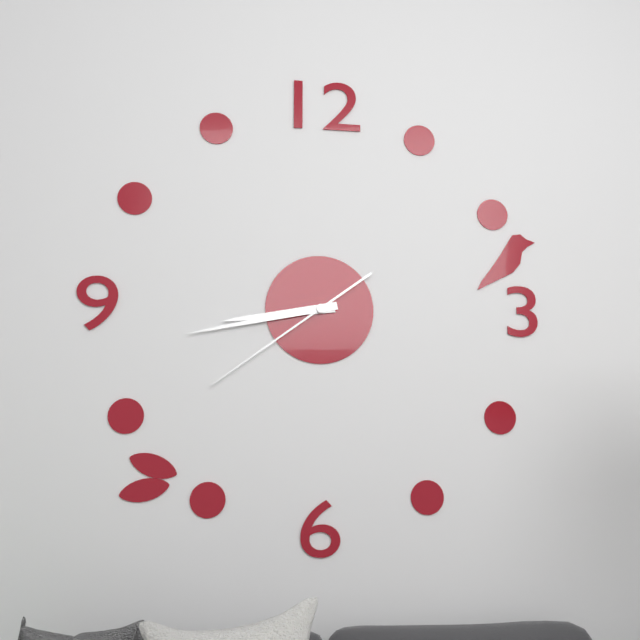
8:43:39
